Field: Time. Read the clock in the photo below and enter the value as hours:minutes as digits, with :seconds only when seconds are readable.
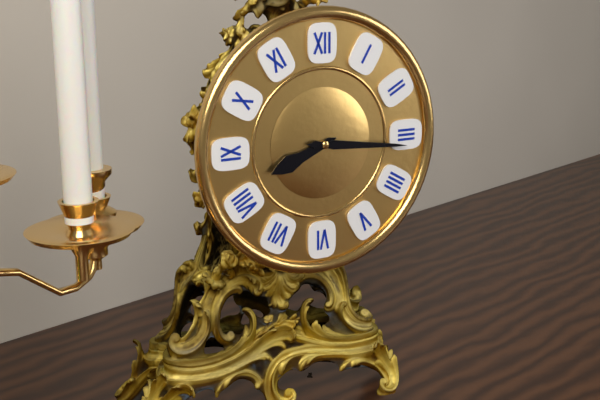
8:16
